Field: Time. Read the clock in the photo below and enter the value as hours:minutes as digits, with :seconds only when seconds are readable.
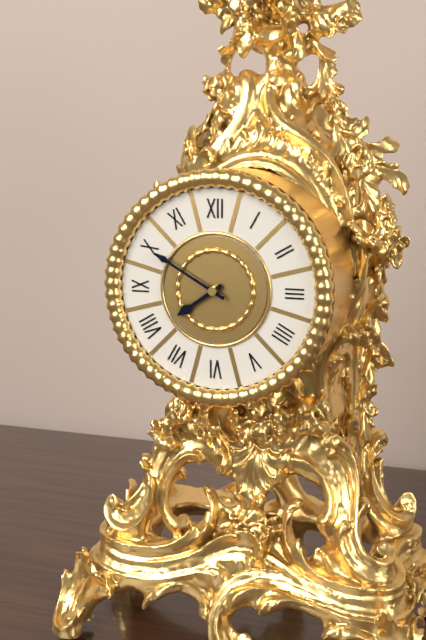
7:50
